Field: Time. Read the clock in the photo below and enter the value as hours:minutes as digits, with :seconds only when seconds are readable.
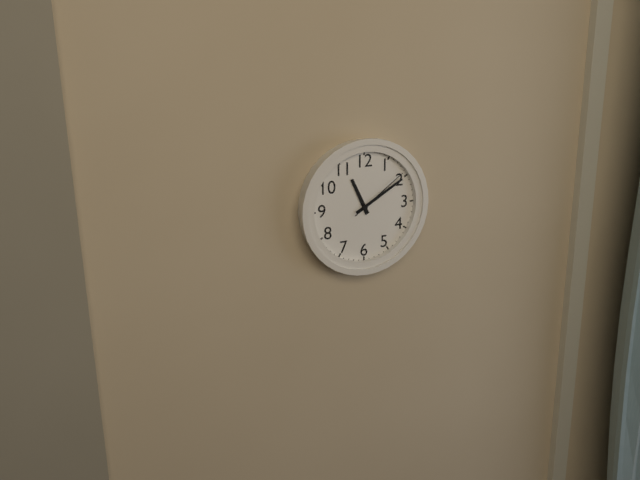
11:10:09
